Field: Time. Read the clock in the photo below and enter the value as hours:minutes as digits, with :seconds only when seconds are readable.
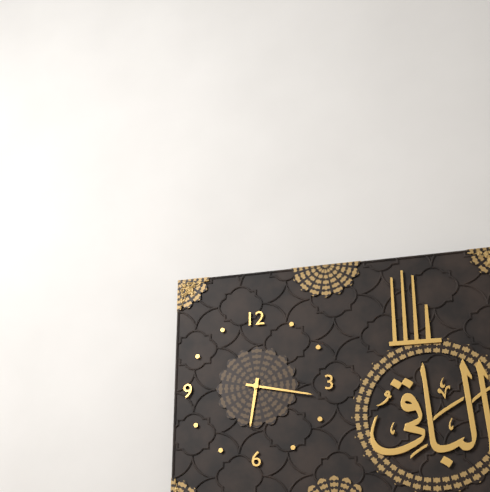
6:17
